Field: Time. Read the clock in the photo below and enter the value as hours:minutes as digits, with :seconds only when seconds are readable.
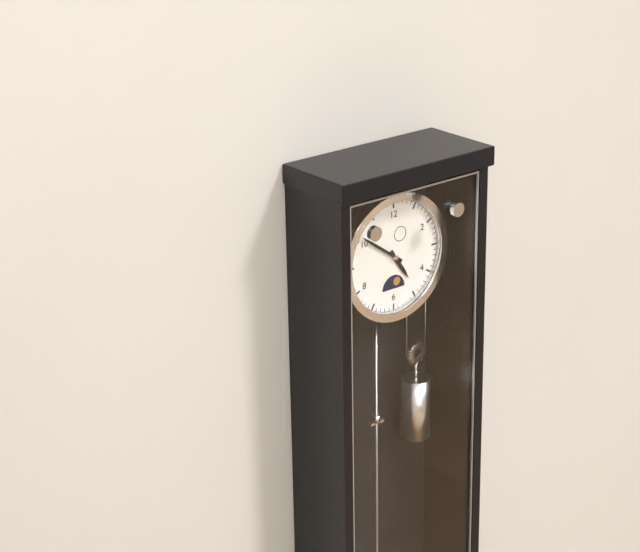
4:51
